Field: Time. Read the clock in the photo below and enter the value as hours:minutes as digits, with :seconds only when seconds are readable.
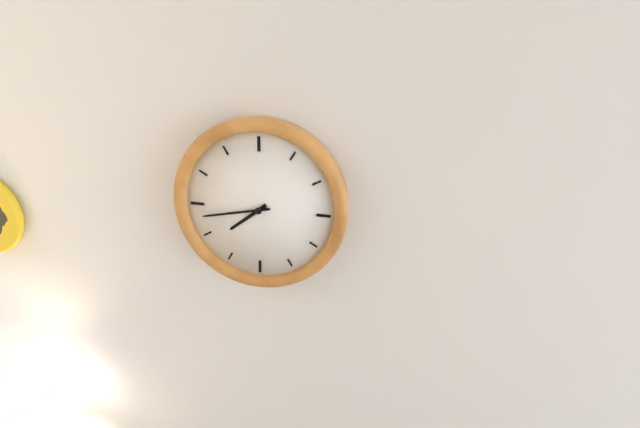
7:43
